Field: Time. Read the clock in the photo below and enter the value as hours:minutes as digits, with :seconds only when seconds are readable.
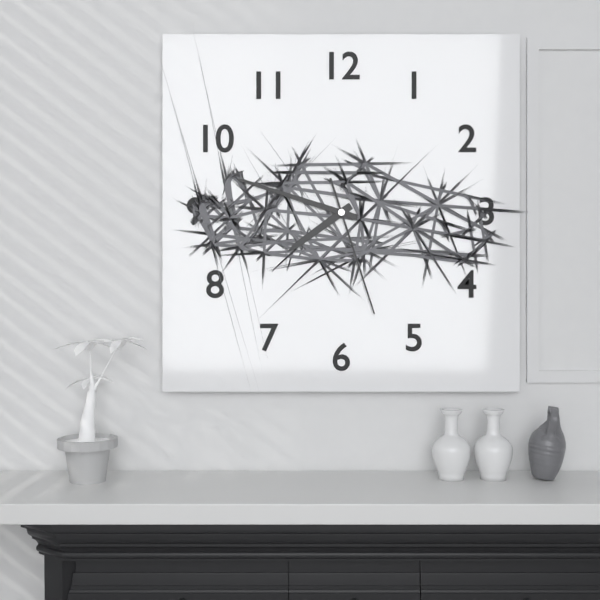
7:48:27
